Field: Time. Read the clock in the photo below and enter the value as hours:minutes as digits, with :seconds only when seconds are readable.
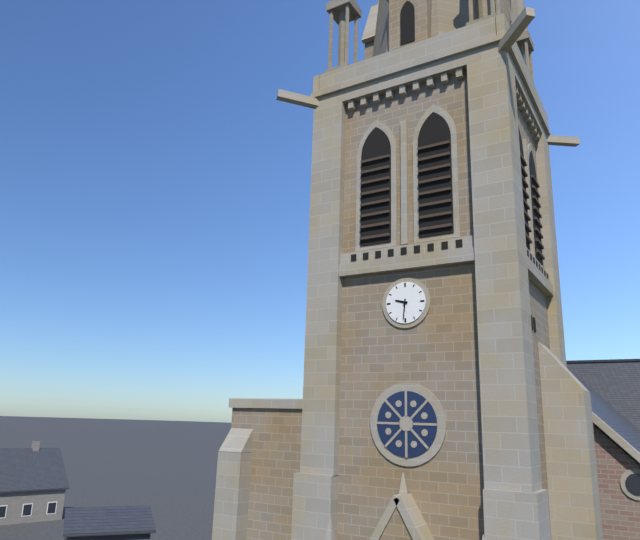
9:31
